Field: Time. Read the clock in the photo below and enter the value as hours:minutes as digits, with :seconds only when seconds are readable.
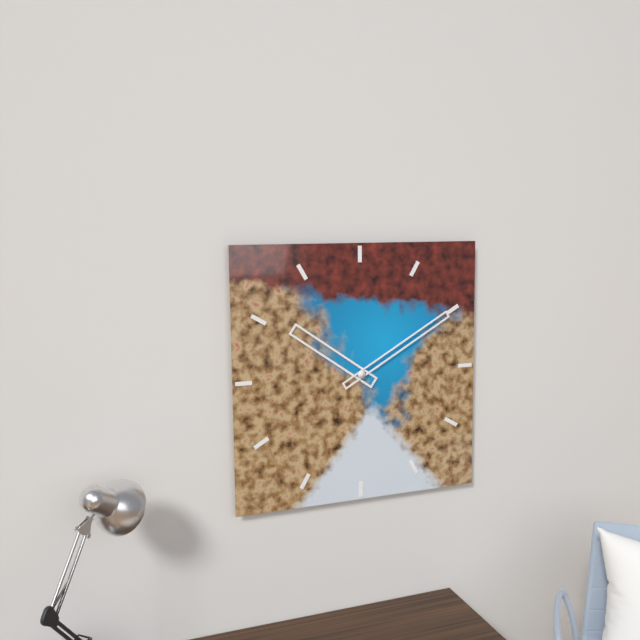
10:10
